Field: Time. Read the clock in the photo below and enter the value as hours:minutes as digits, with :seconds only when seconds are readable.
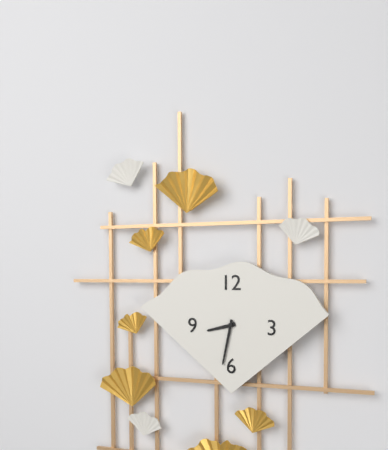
8:32
